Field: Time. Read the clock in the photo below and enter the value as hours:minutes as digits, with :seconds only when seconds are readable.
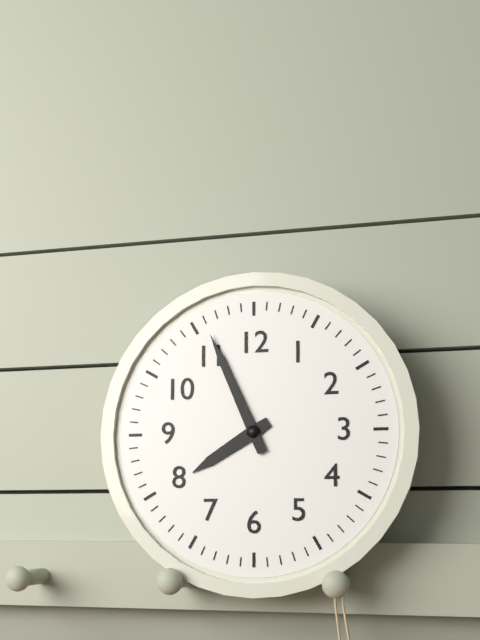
7:56
